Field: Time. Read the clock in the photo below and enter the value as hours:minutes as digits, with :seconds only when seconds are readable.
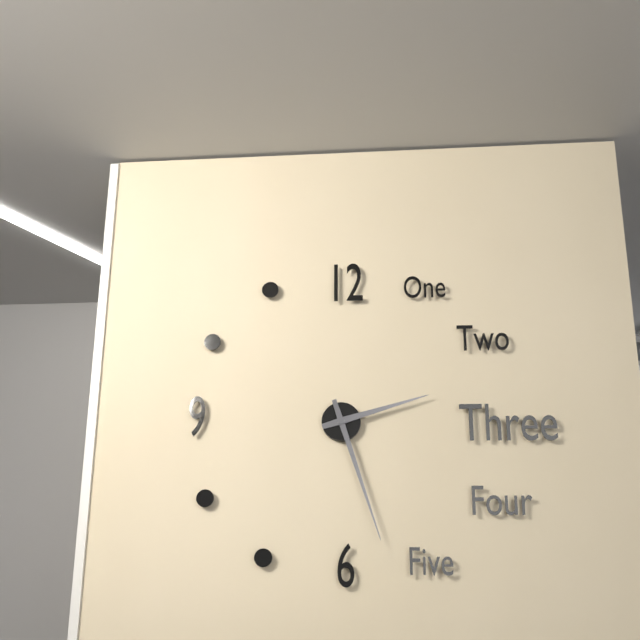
2:27
